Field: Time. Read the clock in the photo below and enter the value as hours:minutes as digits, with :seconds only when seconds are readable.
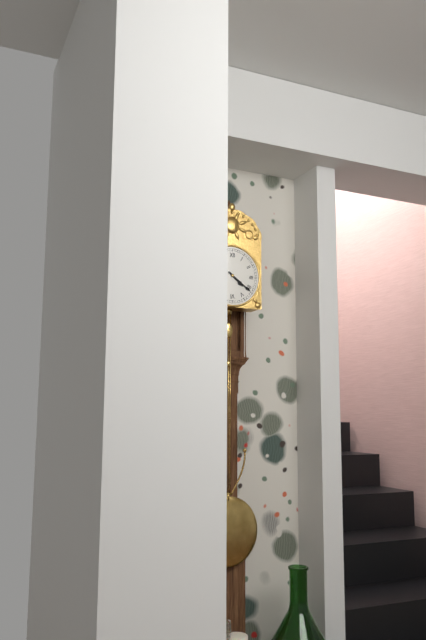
4:21
